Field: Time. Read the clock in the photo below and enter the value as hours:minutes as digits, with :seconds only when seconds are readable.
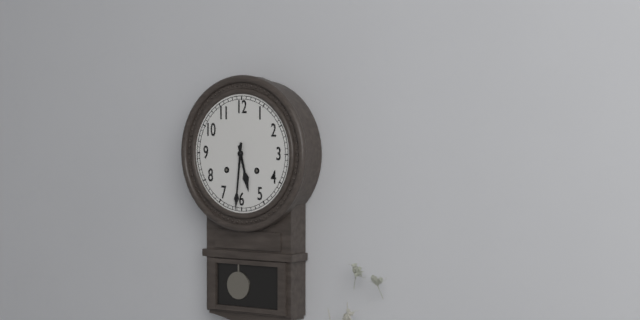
5:31
